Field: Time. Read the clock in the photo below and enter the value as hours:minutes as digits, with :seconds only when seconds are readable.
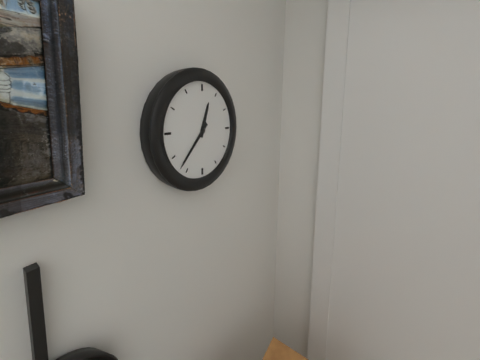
12:37
